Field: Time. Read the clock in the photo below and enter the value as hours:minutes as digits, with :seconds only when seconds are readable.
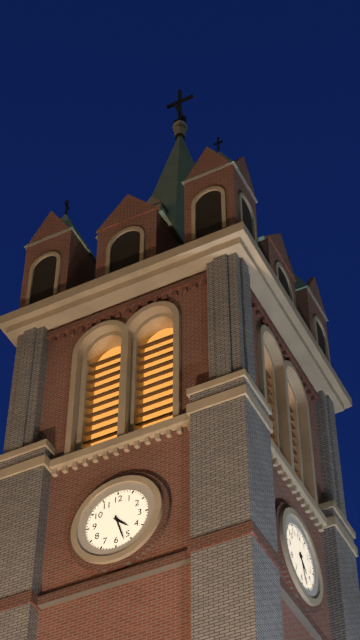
4:27
